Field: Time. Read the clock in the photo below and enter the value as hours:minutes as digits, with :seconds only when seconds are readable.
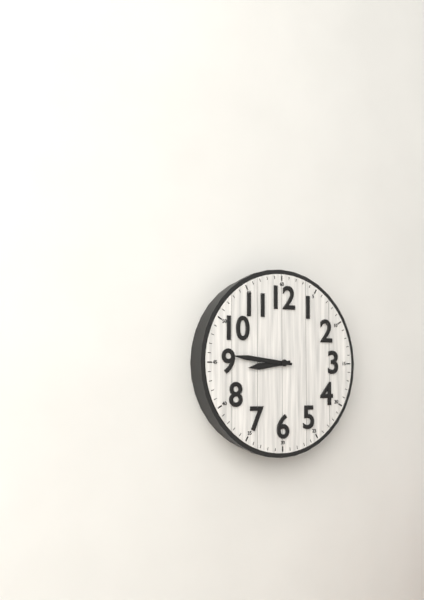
8:46
